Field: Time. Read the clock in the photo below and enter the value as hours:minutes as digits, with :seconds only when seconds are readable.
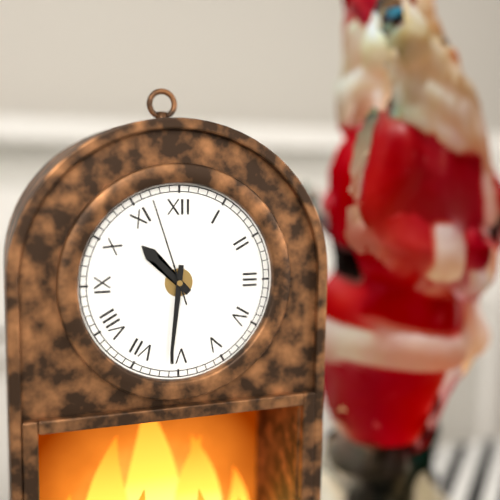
10:31:57
